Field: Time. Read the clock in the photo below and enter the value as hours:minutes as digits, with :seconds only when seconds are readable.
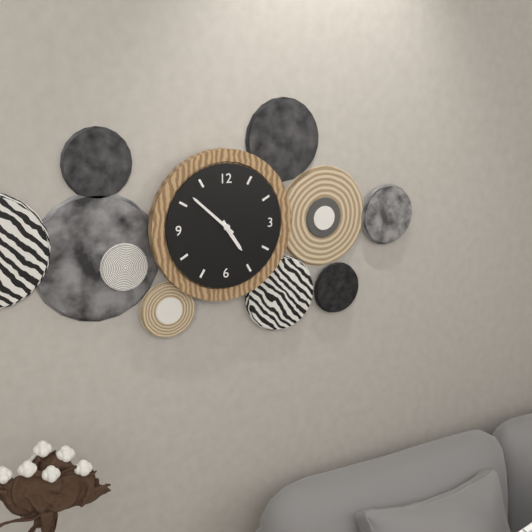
4:52
